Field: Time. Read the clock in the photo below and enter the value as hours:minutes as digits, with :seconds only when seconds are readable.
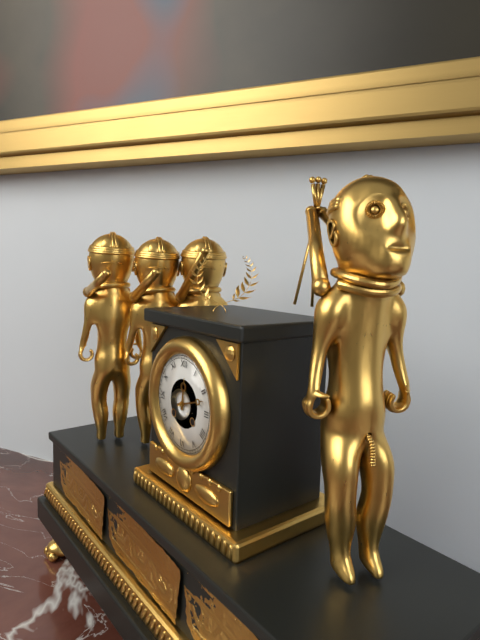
12:12
